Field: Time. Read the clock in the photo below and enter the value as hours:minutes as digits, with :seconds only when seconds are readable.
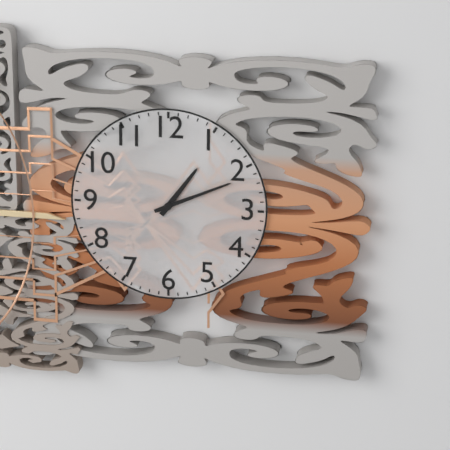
1:11
